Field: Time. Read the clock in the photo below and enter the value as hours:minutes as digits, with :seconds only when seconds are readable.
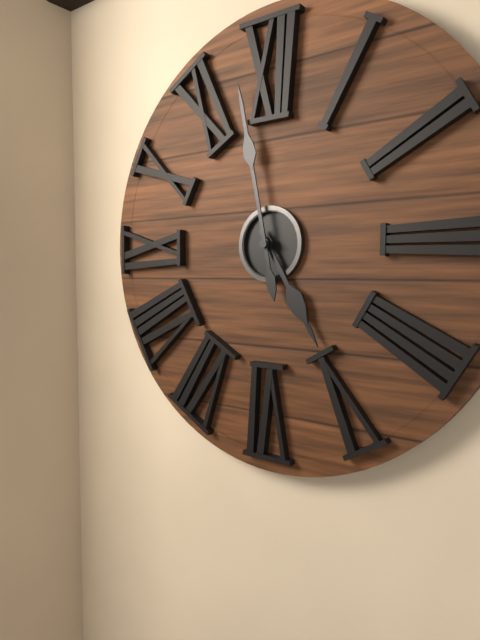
4:58
